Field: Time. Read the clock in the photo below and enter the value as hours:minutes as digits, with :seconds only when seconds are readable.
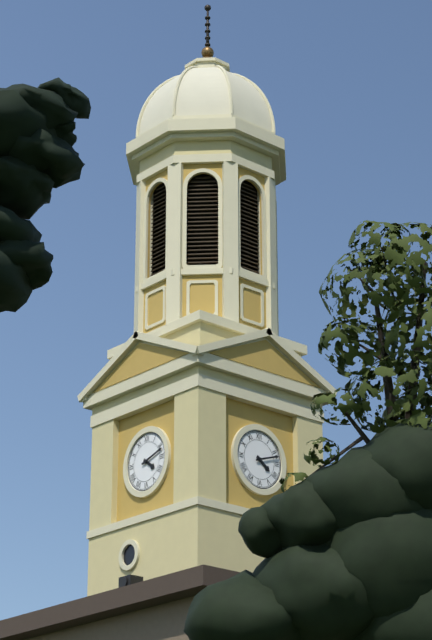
4:12
